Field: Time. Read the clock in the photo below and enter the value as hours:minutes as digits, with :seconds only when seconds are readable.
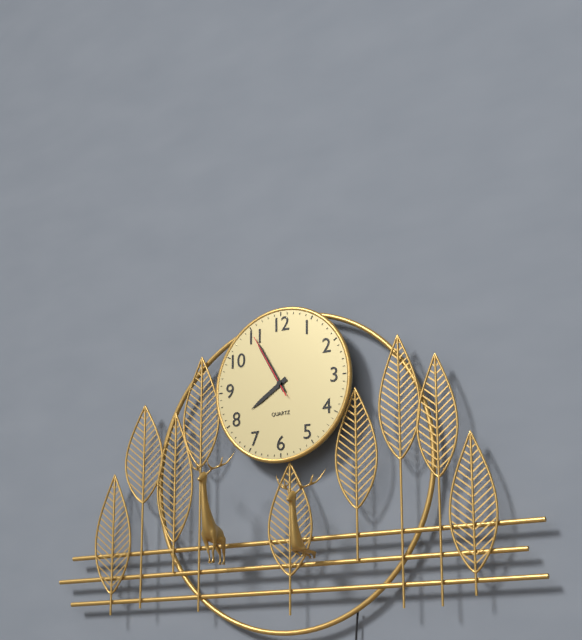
7:55:55
